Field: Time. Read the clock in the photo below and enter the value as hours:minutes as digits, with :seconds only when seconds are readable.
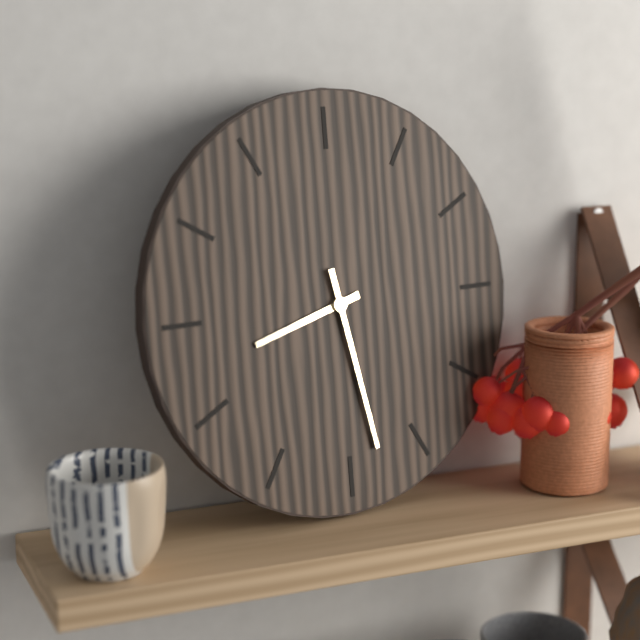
8:28
